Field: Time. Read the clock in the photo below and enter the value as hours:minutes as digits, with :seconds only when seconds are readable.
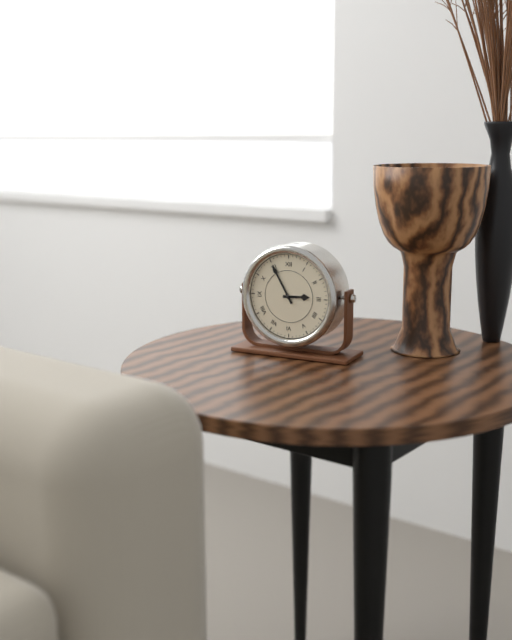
2:55
